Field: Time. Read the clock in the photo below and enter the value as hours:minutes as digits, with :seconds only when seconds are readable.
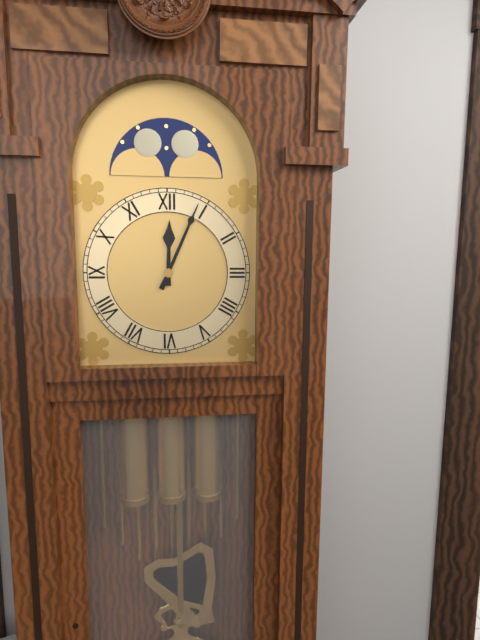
12:04
